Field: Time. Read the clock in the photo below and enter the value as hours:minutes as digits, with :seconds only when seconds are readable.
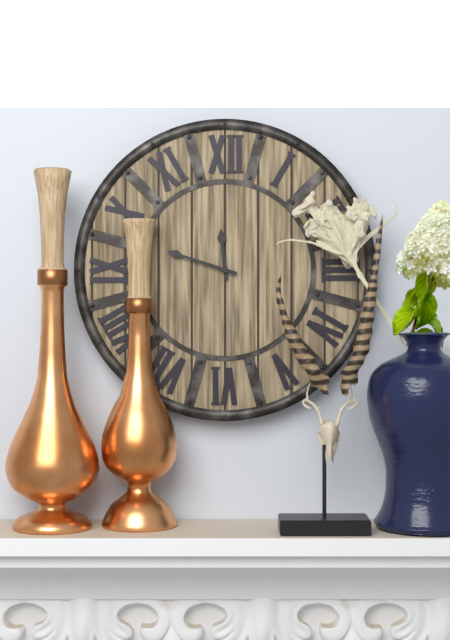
11:48
